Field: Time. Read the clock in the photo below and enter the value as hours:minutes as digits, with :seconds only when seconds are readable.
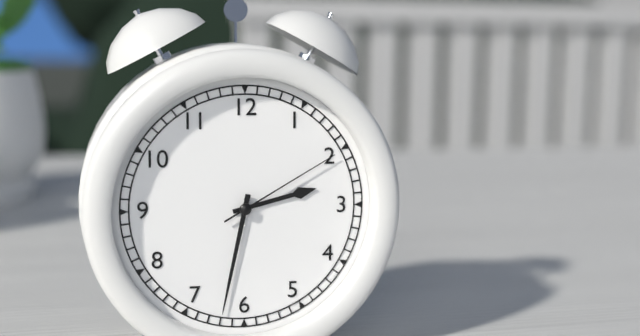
2:32:10
